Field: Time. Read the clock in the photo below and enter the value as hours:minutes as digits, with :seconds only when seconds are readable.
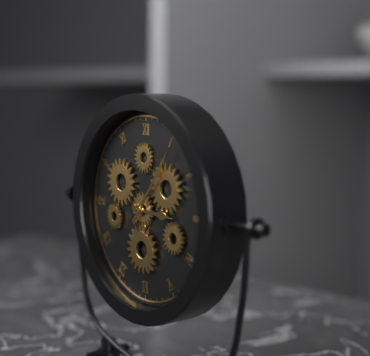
3:06
